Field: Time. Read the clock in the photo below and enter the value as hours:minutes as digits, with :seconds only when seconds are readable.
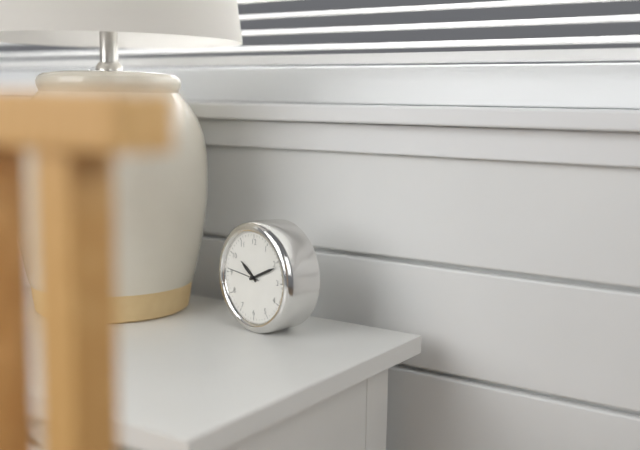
10:11
